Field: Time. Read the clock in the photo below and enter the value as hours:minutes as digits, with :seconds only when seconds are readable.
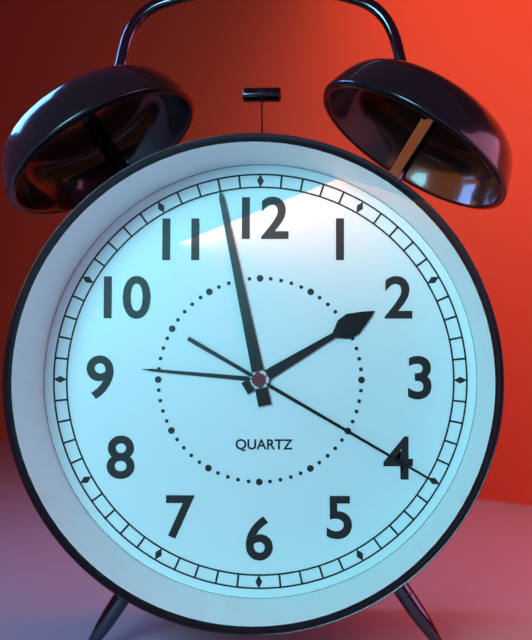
1:58:20
